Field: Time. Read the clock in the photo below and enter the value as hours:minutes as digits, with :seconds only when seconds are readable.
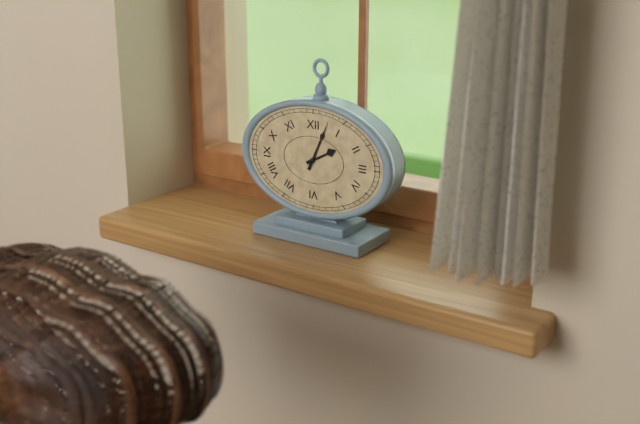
2:04
